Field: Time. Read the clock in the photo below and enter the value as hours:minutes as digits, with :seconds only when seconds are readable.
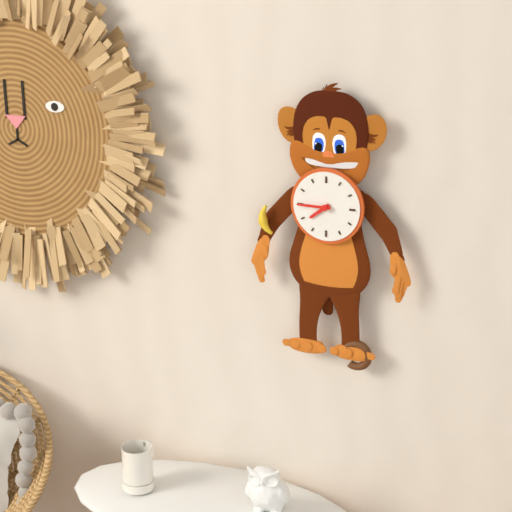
7:45
